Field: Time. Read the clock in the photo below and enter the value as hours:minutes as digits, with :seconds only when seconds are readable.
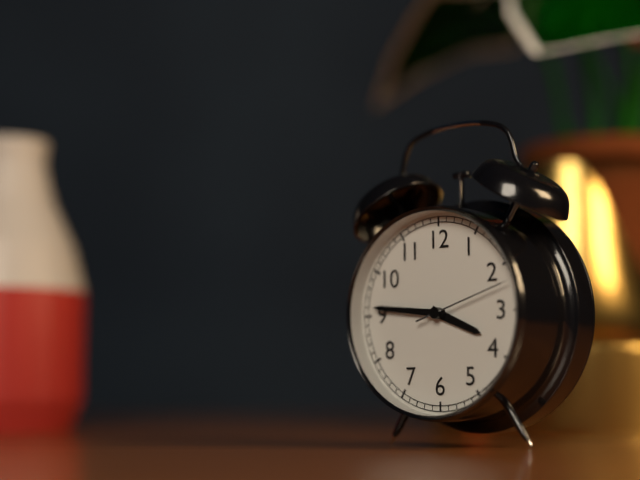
3:46:12
